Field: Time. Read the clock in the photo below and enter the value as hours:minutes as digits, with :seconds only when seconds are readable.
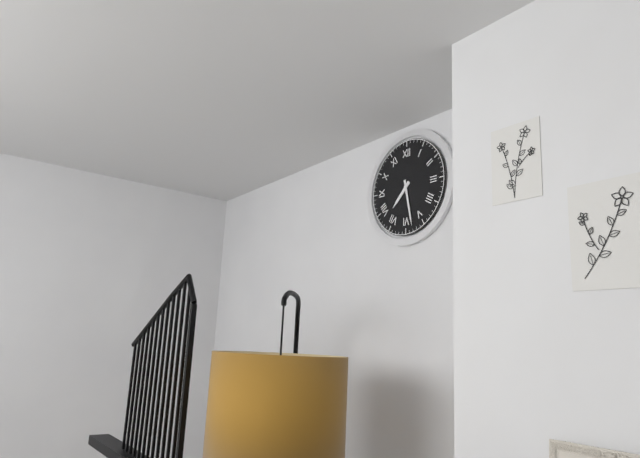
7:28
